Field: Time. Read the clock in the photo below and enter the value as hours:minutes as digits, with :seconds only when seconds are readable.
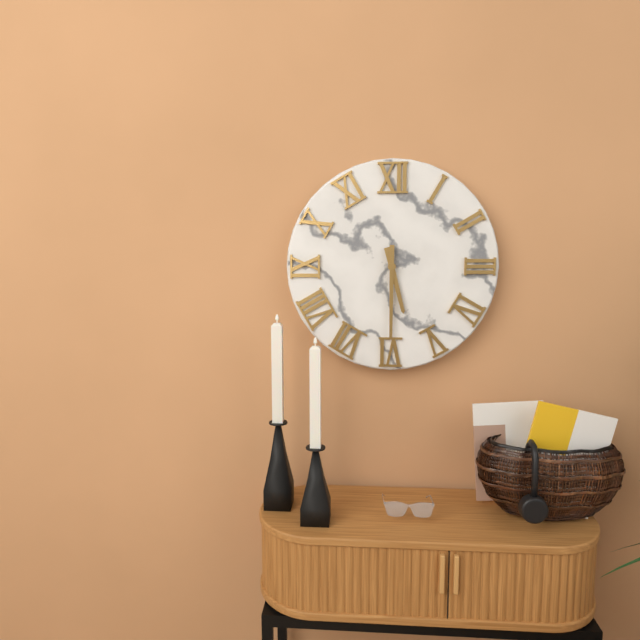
5:30
